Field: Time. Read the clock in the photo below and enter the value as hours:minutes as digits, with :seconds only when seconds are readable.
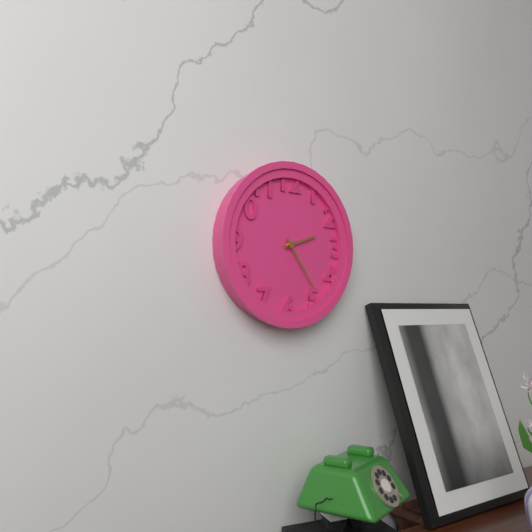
2:24
